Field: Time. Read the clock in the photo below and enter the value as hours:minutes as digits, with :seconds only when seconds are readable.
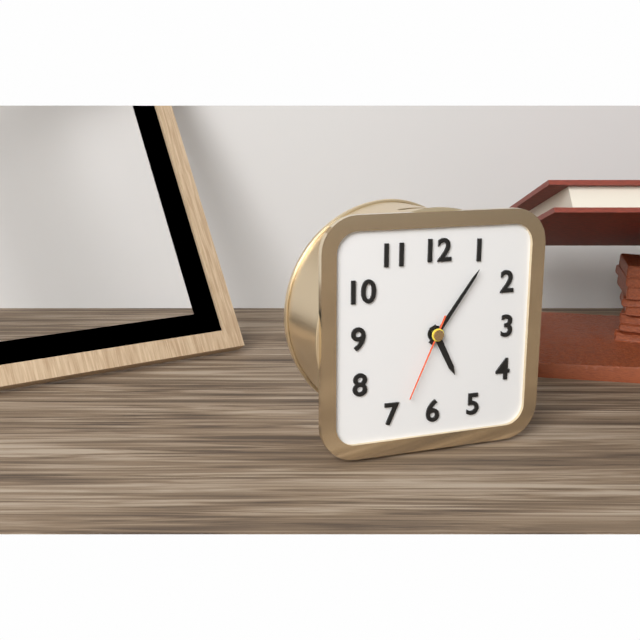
5:06:34
